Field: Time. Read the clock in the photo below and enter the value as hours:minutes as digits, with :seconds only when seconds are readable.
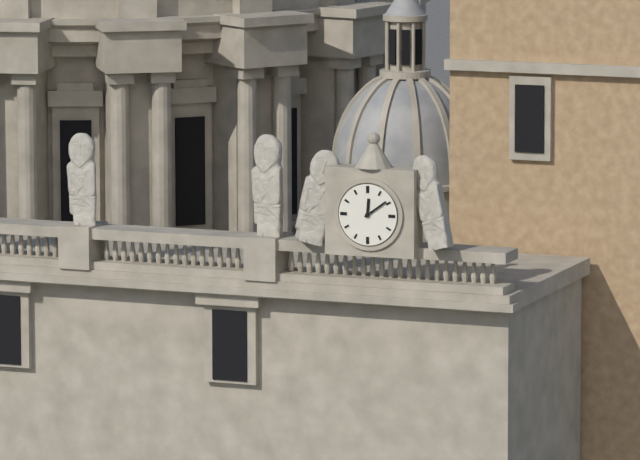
12:09
